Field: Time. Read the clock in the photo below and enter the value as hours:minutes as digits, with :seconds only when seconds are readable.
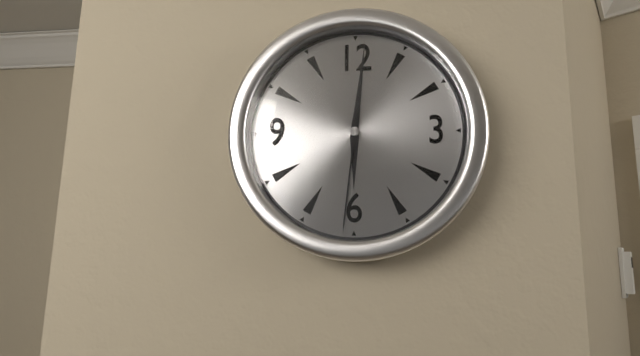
6:01:31
